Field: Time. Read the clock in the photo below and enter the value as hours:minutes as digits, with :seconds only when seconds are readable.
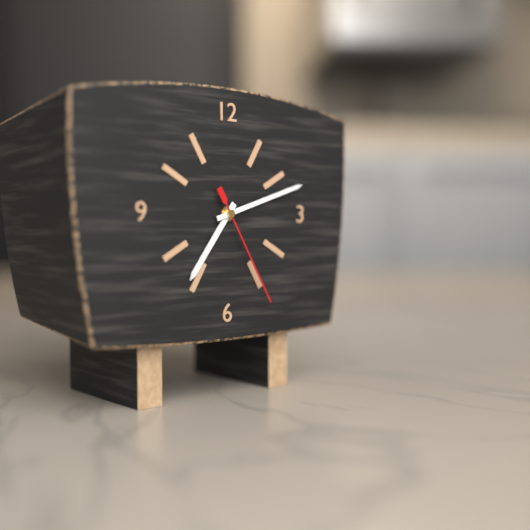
7:12:25
